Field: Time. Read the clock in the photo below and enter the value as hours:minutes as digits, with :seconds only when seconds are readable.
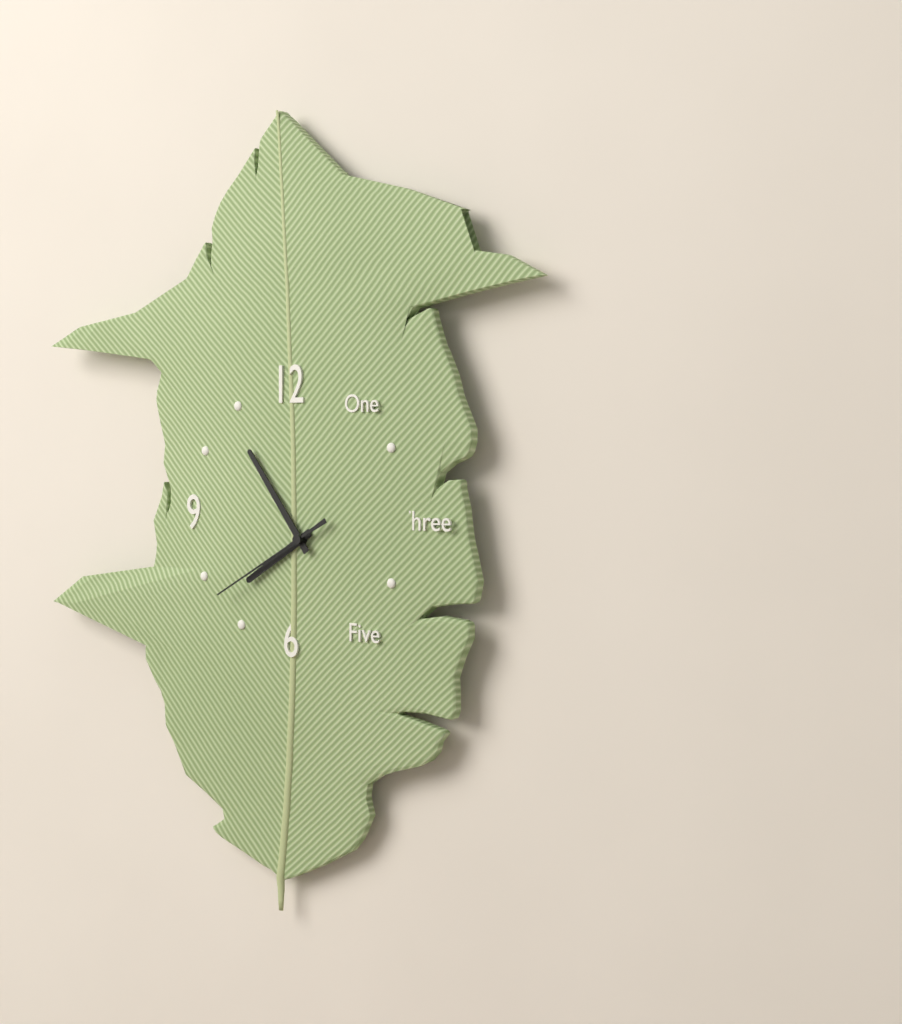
7:54:40
